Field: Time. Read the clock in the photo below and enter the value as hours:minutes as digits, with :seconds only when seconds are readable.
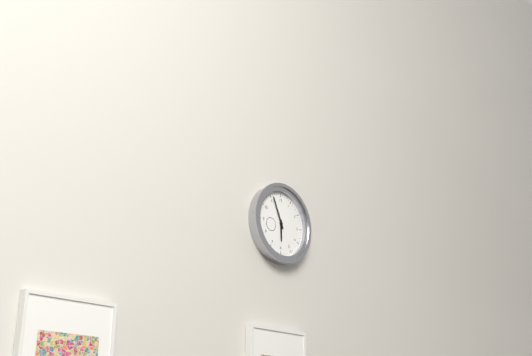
5:56
